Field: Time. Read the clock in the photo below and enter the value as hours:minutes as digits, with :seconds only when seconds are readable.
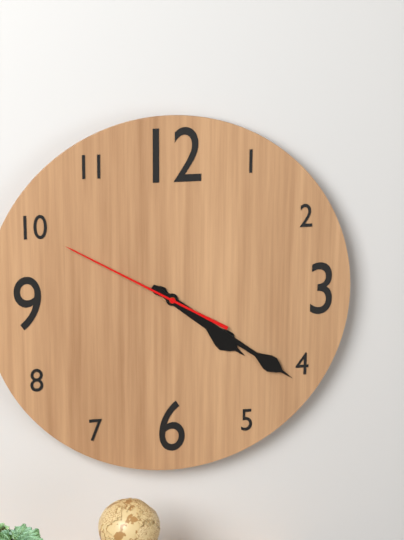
4:21:50
